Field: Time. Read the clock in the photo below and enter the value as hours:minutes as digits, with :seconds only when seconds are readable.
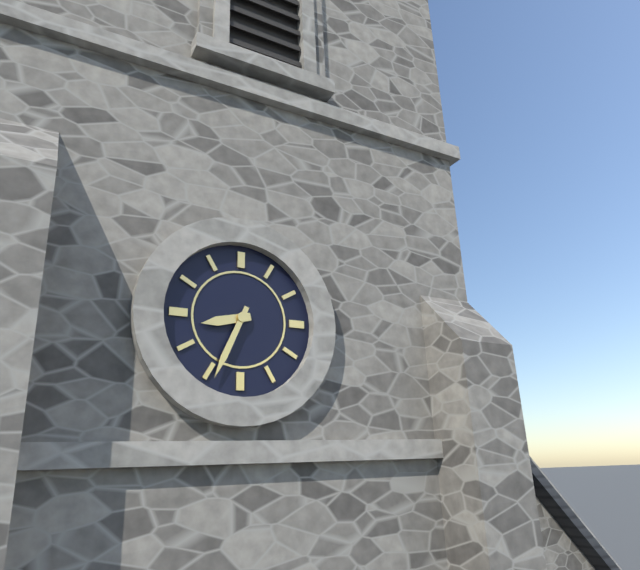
8:34
